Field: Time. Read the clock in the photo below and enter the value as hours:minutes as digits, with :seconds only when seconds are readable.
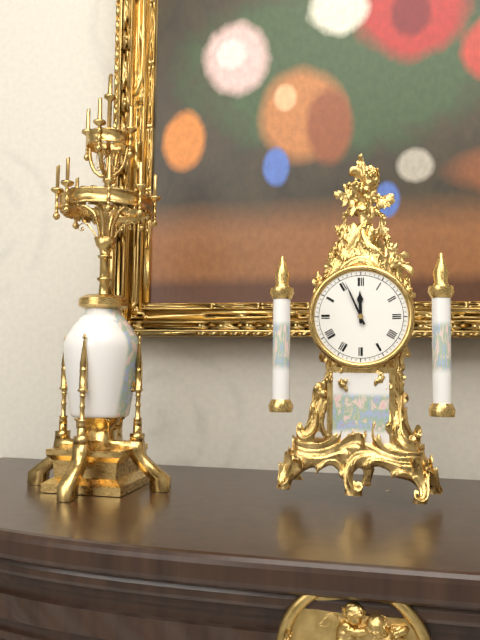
11:56
